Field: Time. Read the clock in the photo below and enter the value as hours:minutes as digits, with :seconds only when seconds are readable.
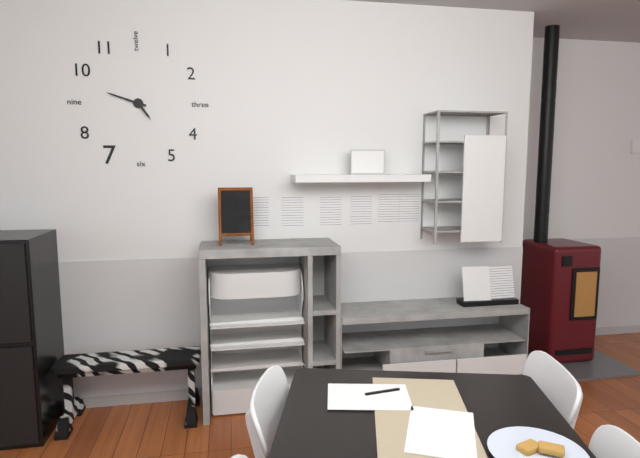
4:48
